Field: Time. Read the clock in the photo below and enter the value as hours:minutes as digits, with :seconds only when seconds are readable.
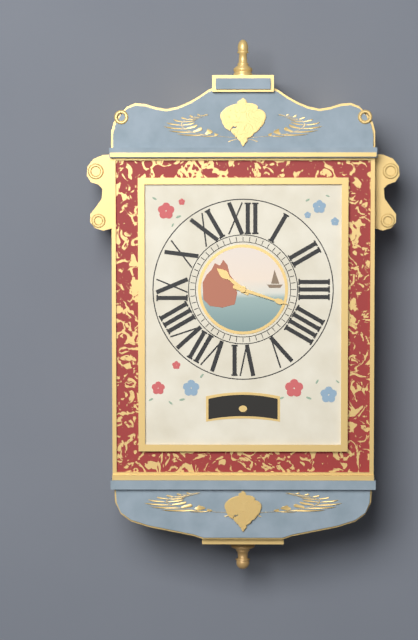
10:18
